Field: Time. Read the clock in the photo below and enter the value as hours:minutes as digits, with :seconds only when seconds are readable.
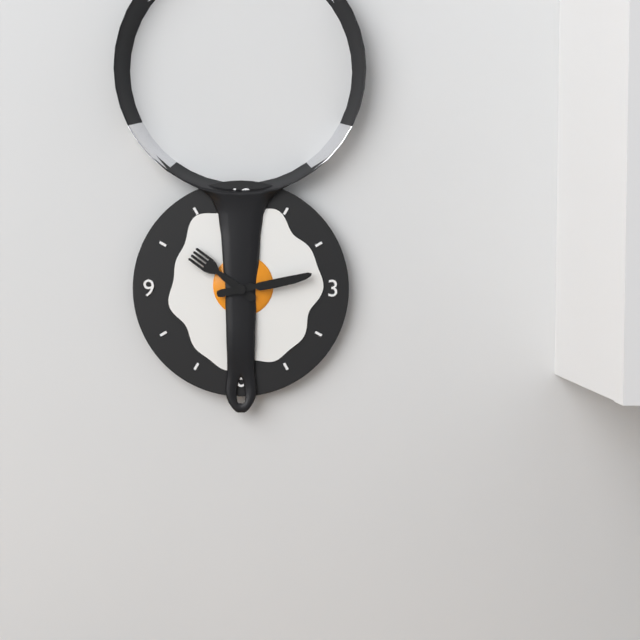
10:13
